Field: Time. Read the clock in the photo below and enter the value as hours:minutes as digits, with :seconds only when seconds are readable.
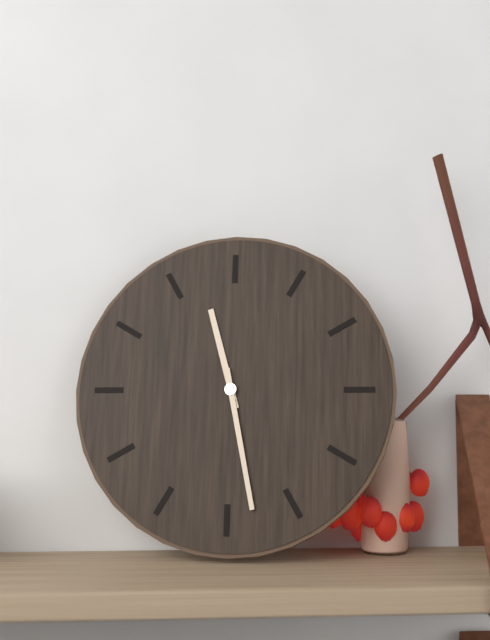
11:28
